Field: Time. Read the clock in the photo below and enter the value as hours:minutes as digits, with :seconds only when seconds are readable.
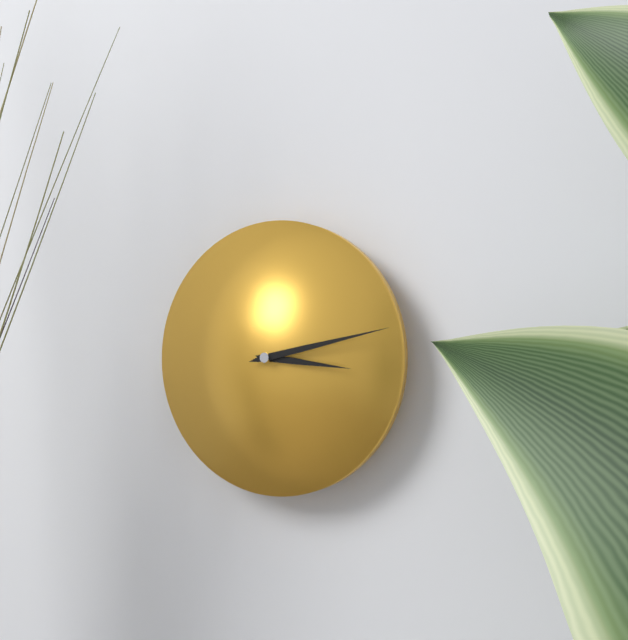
3:13
